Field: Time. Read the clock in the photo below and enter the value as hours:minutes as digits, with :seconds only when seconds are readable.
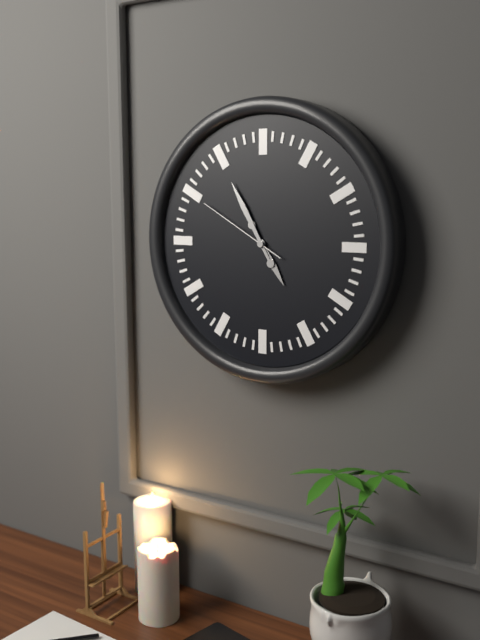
4:55:50
